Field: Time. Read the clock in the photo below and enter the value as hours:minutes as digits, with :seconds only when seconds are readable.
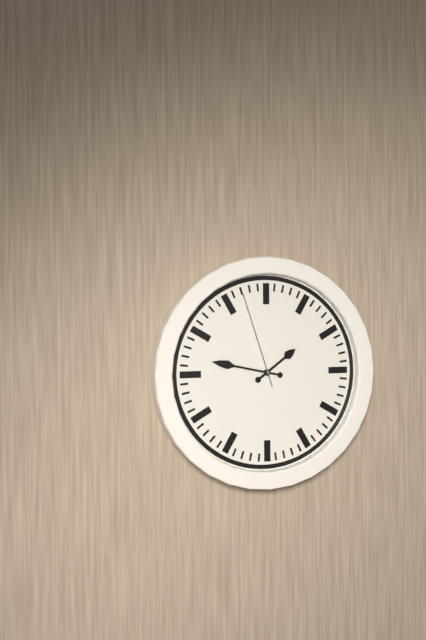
1:47:57
